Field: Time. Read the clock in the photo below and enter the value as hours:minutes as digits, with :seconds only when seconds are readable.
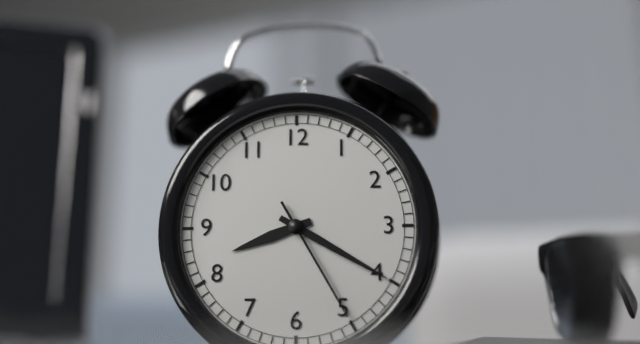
8:20:25
